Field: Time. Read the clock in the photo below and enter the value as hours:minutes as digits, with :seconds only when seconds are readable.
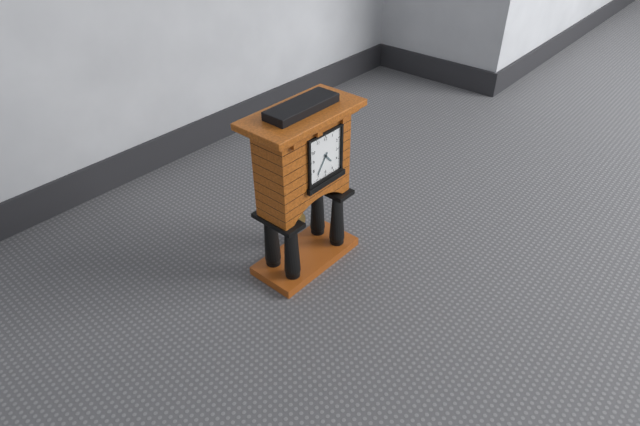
4:36
